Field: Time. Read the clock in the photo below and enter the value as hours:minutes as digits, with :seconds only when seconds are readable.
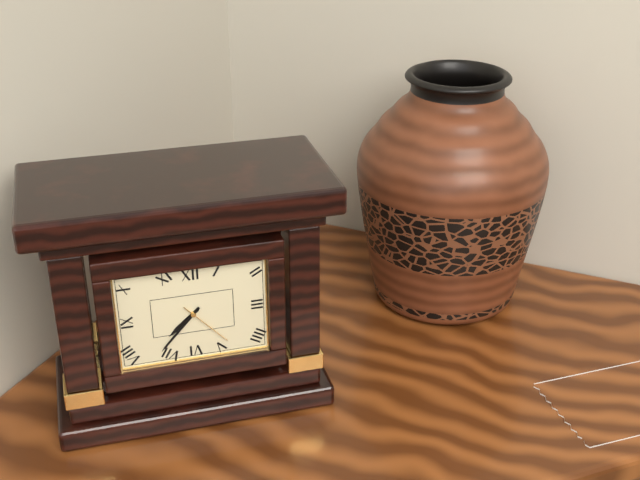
7:37:23
